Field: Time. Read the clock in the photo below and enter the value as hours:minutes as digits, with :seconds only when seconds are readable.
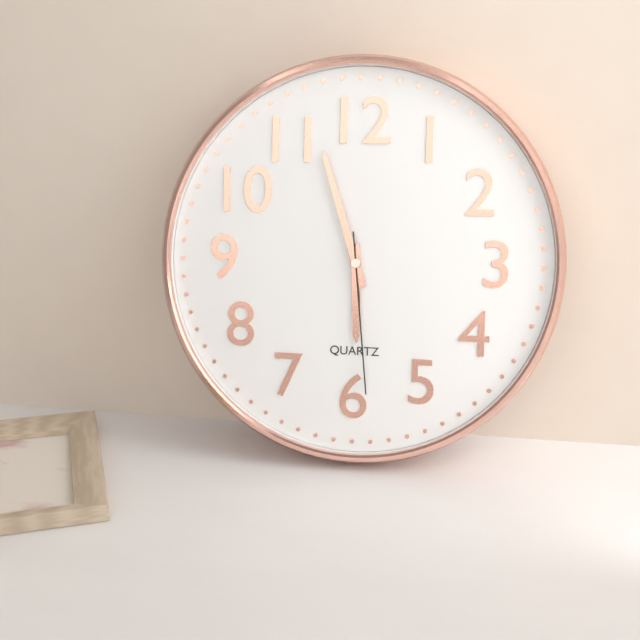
5:57:29
